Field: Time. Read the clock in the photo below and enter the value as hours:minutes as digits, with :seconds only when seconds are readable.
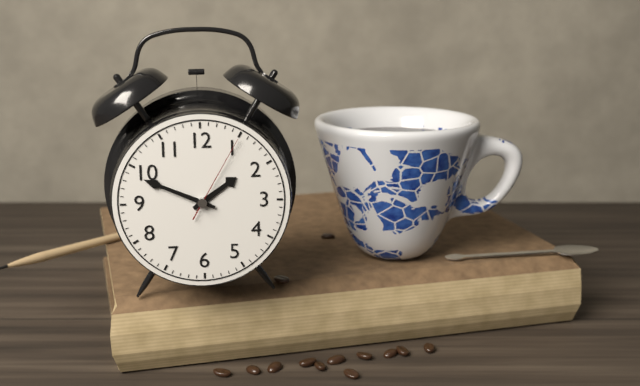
1:49:05
